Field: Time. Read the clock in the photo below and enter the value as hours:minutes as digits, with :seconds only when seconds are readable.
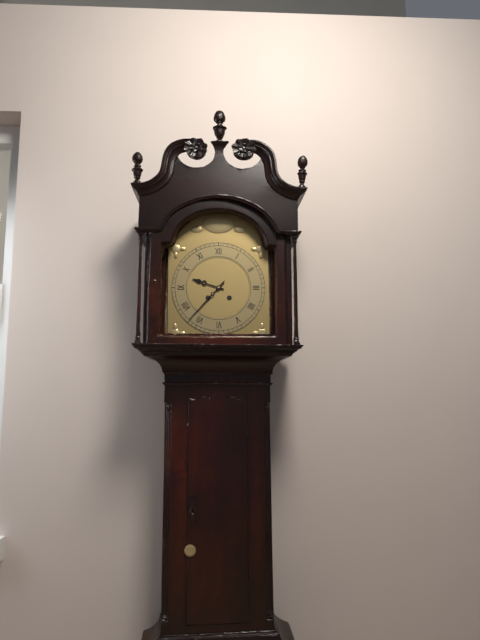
9:37
